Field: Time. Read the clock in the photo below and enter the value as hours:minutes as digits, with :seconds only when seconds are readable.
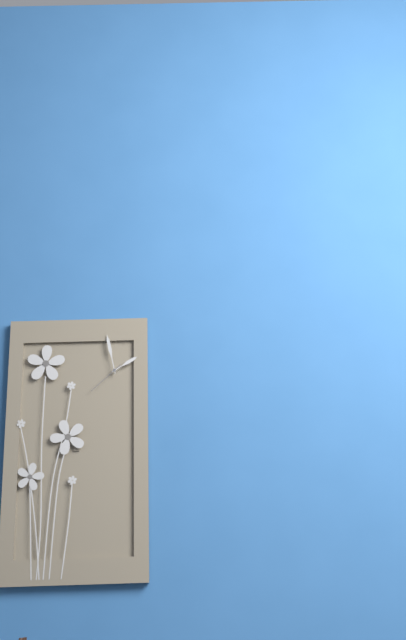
1:58
